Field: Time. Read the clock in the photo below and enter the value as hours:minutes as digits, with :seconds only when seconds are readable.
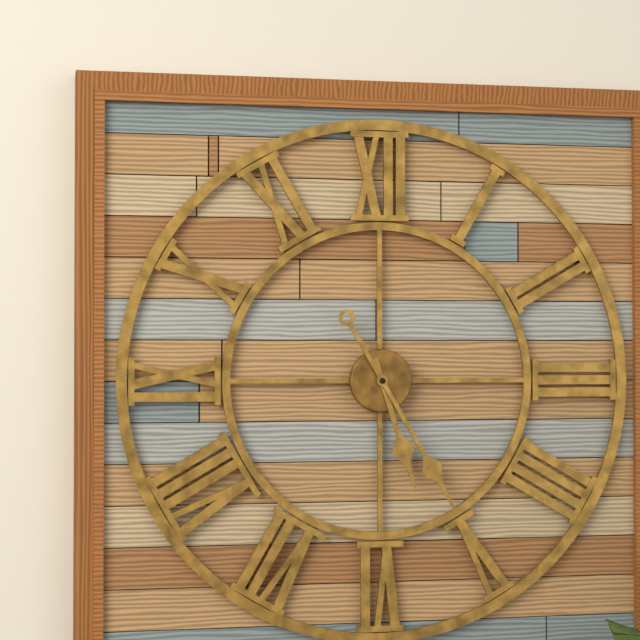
5:25
